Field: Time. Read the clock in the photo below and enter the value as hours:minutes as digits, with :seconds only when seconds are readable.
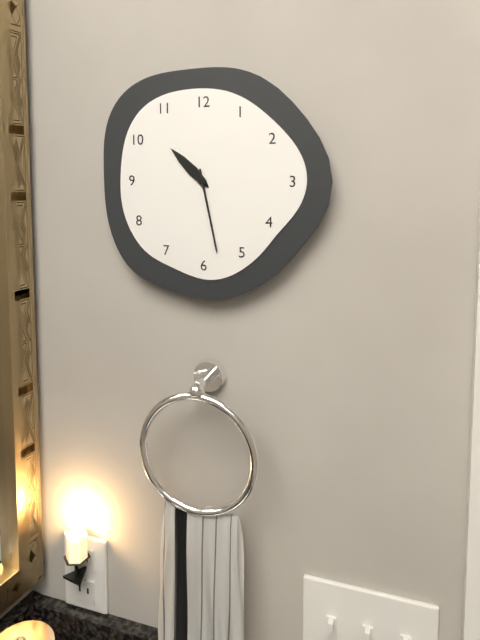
10:28
